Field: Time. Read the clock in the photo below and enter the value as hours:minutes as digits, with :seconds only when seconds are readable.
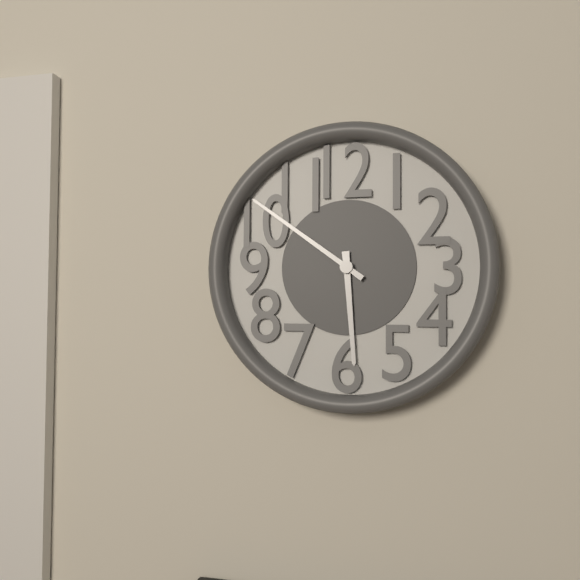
5:51
